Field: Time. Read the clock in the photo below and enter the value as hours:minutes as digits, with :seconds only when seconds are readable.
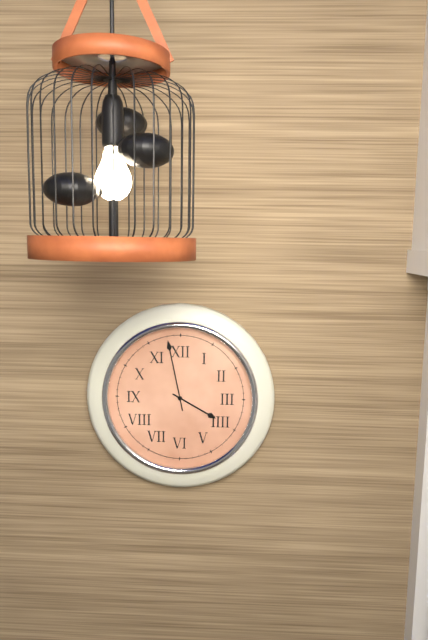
3:58
